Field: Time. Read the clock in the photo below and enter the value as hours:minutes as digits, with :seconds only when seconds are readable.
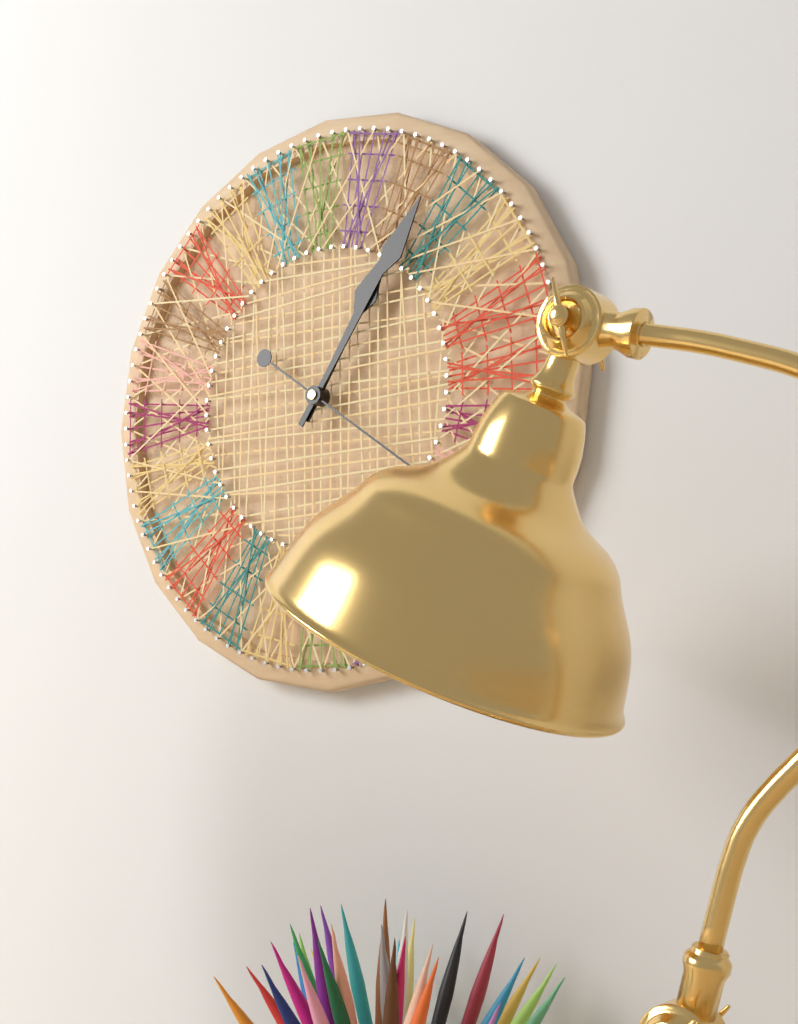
1:06
